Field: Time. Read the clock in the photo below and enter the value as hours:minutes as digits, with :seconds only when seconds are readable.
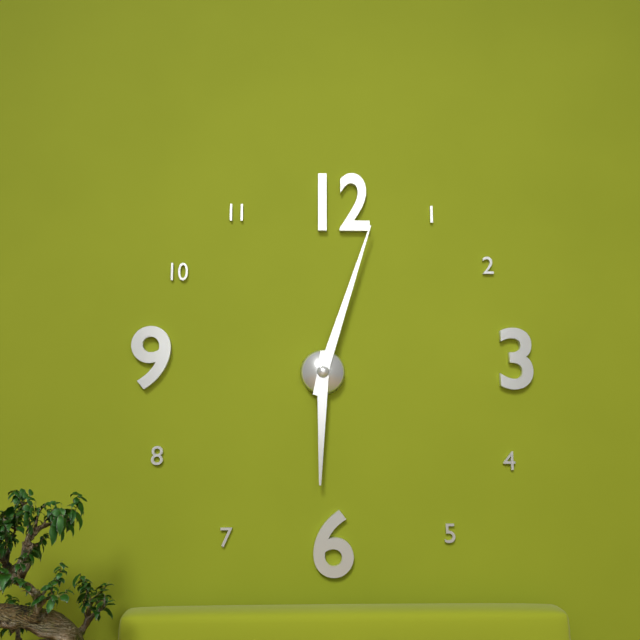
6:03
